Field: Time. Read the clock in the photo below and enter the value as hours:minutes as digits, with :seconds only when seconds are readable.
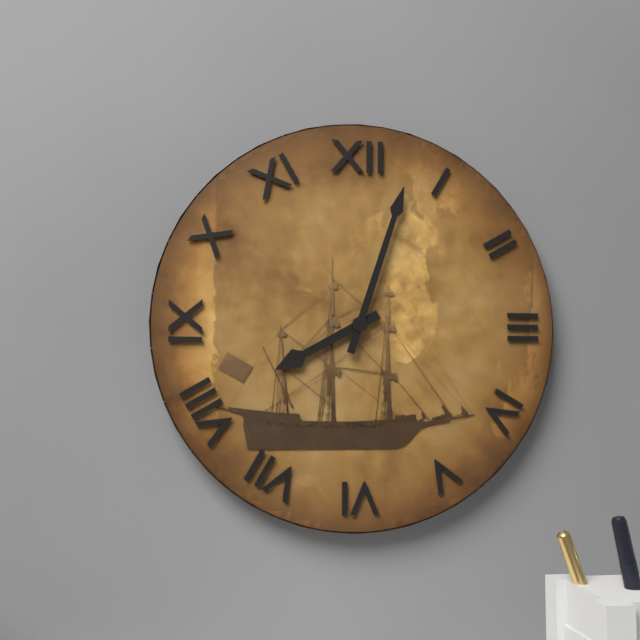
8:03
